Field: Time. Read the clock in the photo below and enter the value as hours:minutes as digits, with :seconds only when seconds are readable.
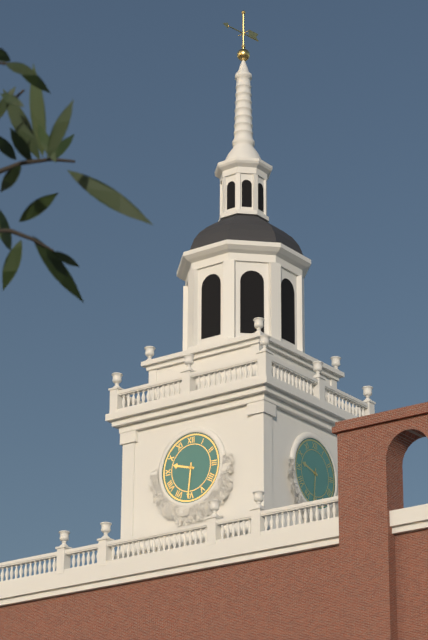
9:31
